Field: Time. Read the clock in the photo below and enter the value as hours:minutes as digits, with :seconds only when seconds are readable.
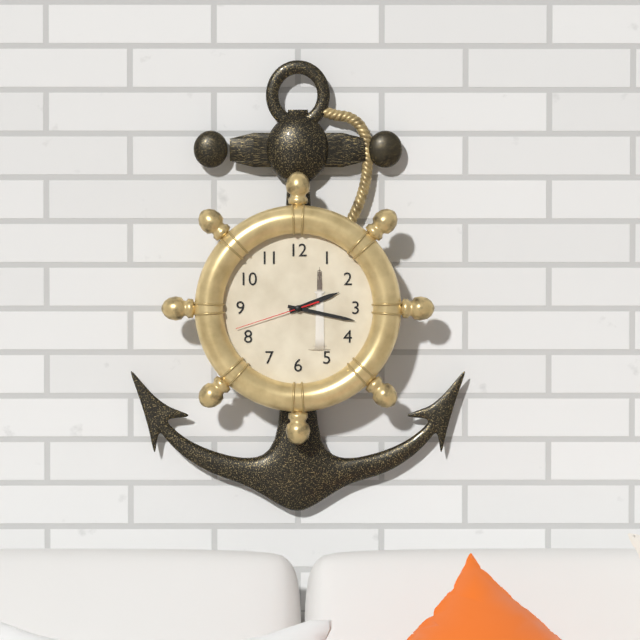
2:17:42
